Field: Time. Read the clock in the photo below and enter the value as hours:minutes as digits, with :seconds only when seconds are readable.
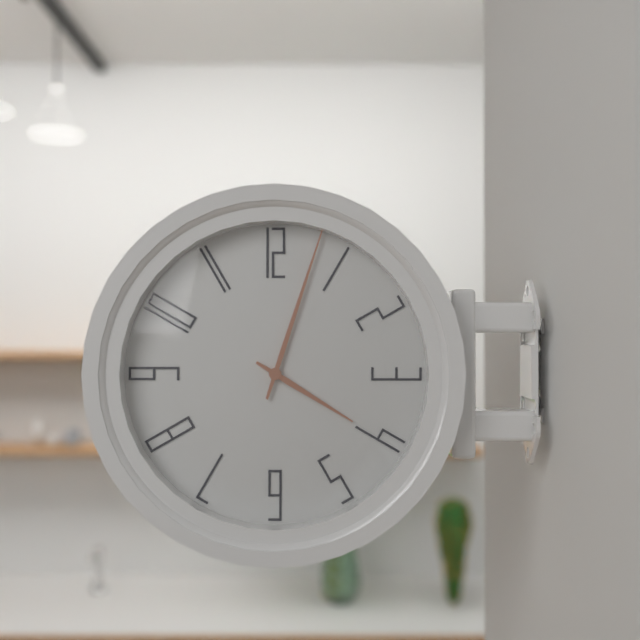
4:03
